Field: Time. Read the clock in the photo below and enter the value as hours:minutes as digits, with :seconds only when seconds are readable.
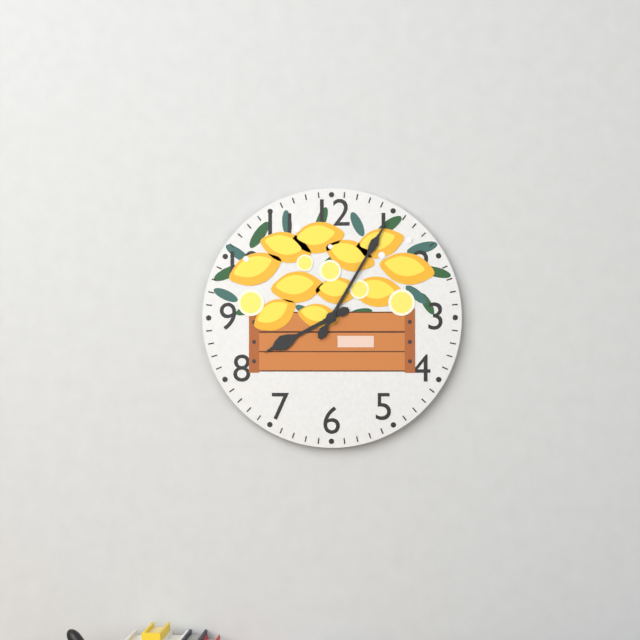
8:05
